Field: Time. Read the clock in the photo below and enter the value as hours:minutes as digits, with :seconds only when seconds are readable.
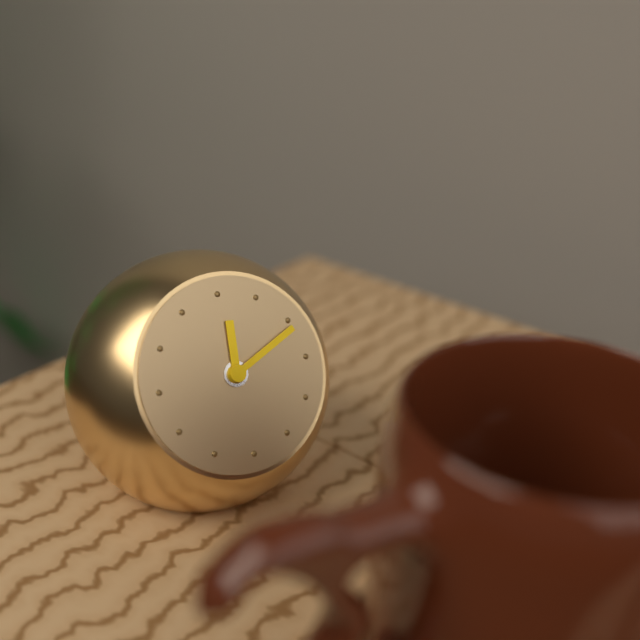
12:11
